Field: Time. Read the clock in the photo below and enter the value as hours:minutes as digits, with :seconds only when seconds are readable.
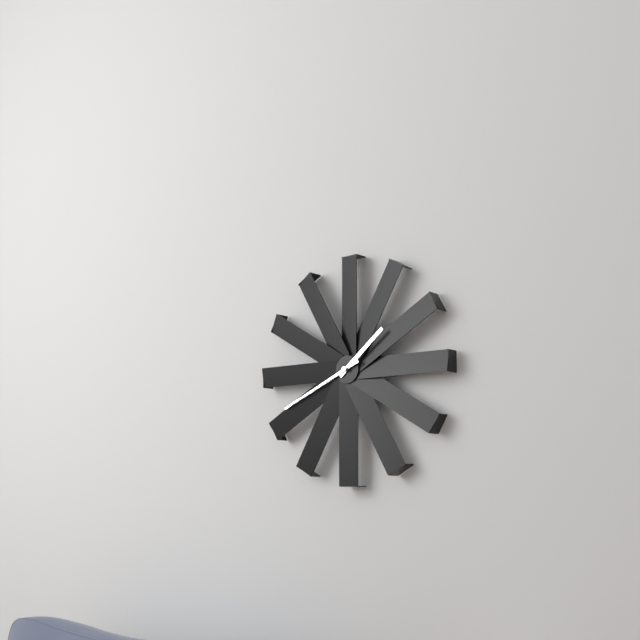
1:41:41
